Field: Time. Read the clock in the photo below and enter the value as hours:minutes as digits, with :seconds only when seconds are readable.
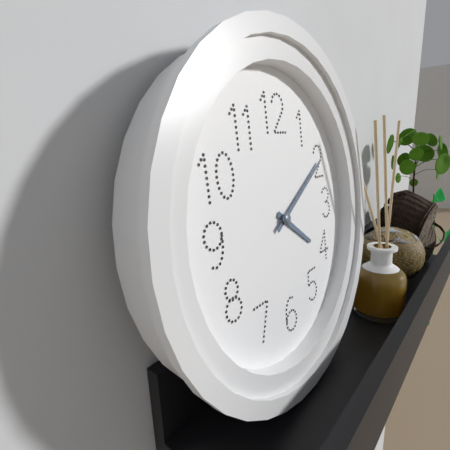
4:10
